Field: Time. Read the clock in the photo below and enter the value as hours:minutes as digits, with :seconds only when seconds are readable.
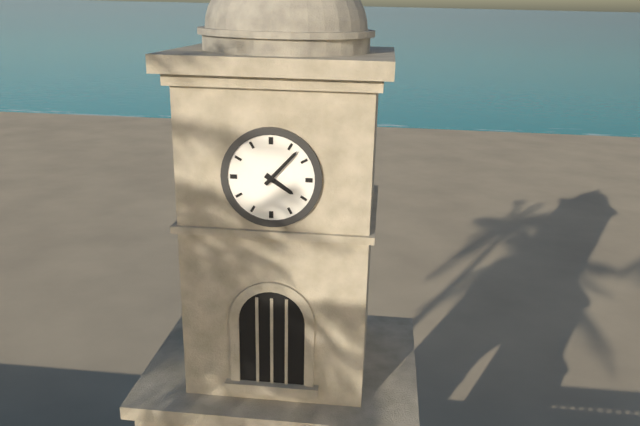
4:07
